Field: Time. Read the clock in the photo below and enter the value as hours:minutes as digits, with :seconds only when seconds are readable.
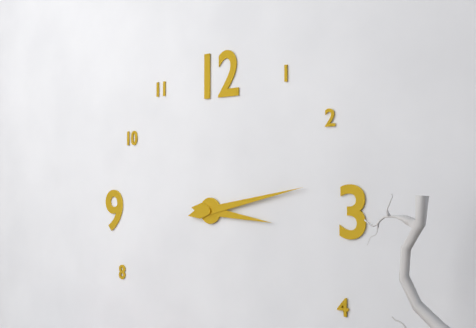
3:13
